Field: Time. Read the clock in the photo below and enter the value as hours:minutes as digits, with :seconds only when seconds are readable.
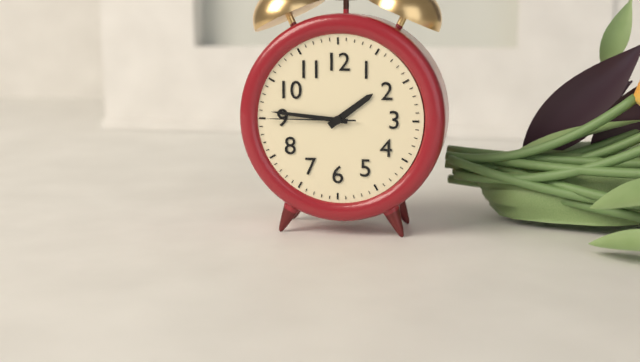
1:46:45
